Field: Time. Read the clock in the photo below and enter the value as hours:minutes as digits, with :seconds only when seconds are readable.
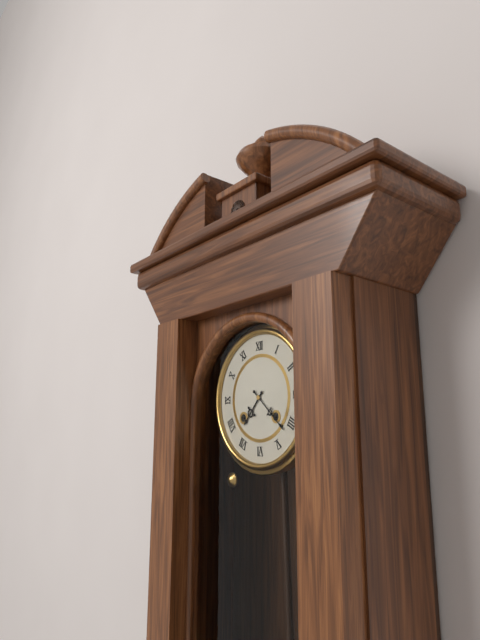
7:22
